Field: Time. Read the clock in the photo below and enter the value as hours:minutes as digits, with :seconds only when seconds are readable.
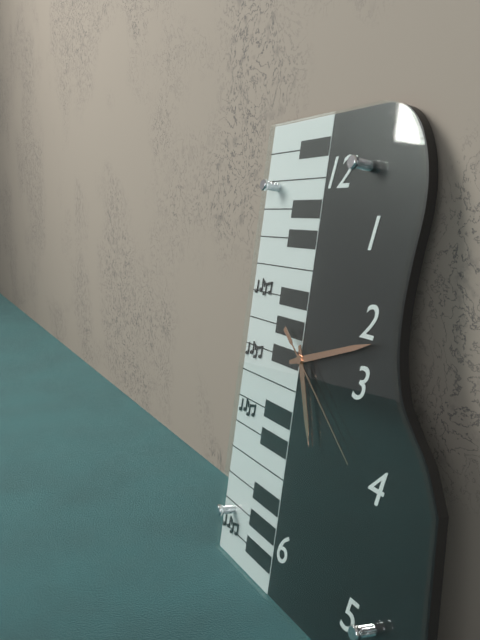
5:12:21
